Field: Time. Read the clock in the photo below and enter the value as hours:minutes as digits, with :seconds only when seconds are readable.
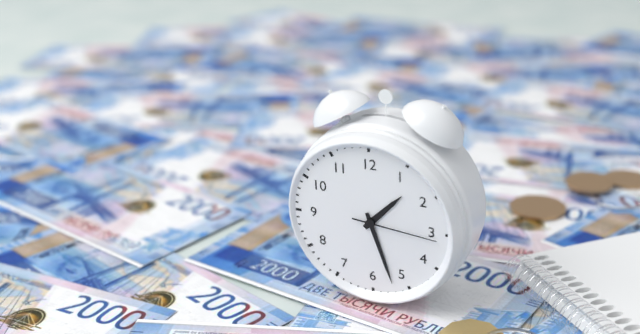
1:27:16
